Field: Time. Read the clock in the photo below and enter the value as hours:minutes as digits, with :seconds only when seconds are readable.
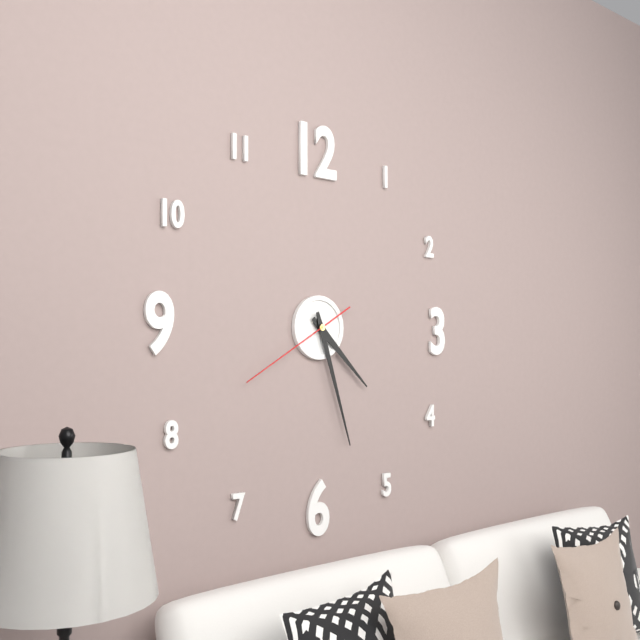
4:27:40
